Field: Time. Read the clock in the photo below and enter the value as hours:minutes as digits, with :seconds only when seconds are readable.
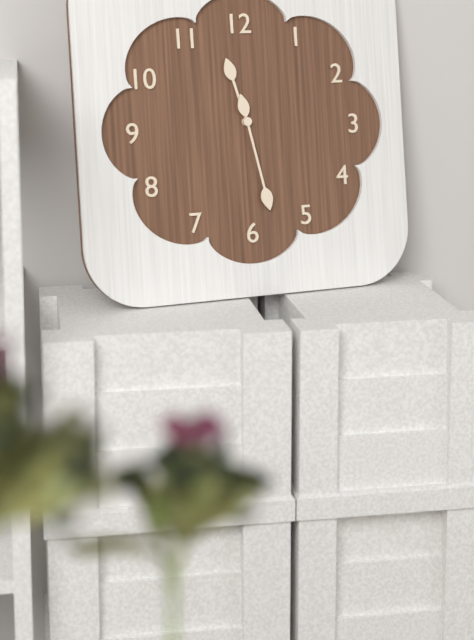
11:28
